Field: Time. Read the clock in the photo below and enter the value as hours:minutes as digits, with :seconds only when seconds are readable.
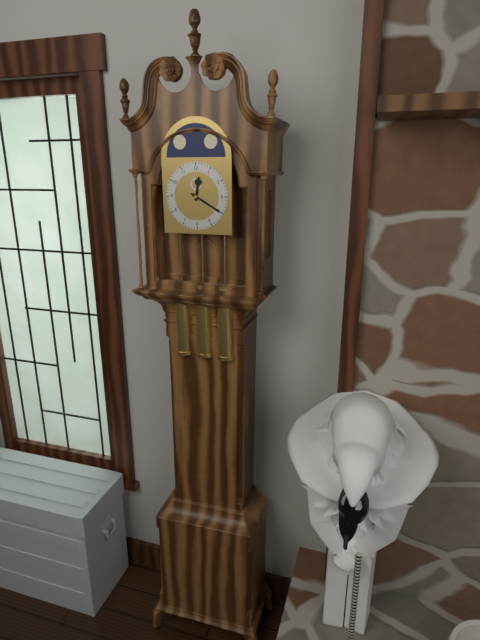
12:20
